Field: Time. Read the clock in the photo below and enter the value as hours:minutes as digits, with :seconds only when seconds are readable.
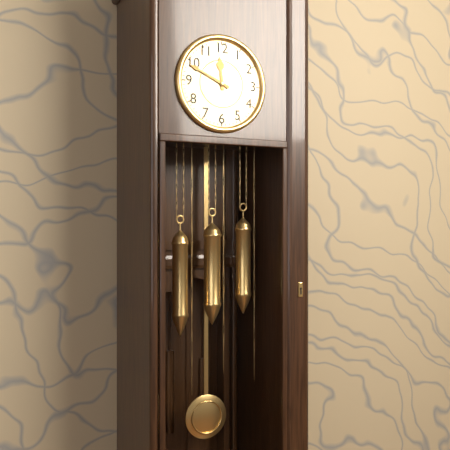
11:49
